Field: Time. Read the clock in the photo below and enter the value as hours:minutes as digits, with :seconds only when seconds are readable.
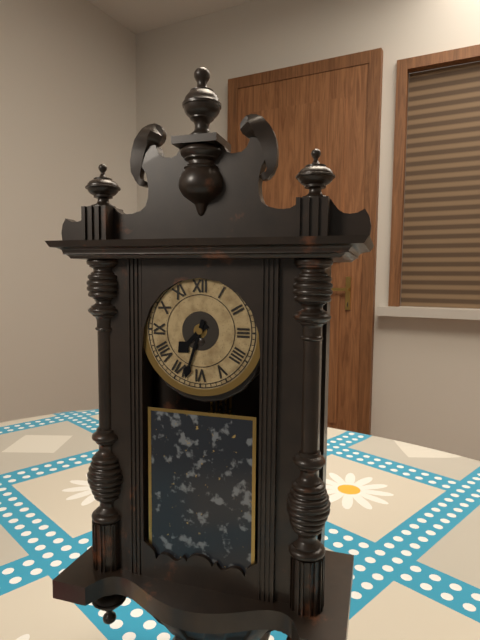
7:33
